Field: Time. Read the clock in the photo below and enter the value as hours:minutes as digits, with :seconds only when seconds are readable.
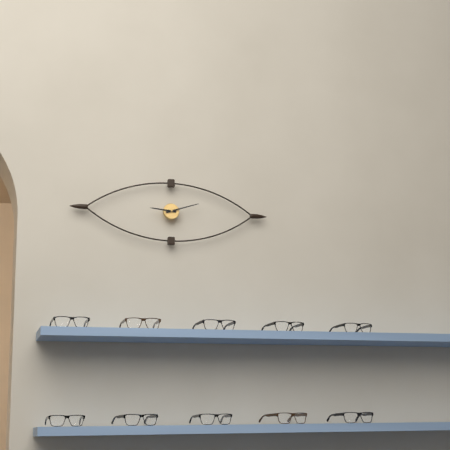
9:12
